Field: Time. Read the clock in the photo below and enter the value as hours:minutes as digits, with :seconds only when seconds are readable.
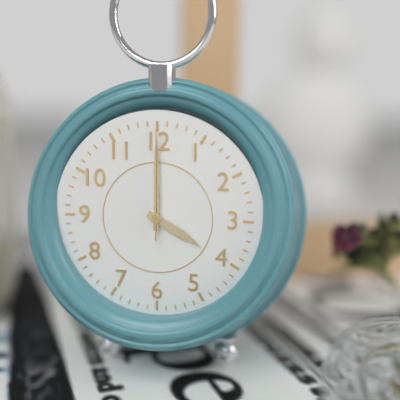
4:00:00
